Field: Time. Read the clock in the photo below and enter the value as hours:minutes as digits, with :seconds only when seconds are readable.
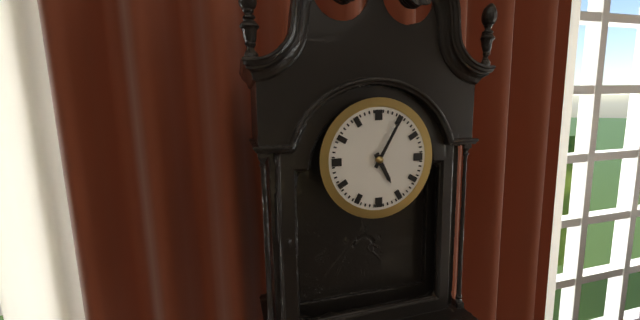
5:05
